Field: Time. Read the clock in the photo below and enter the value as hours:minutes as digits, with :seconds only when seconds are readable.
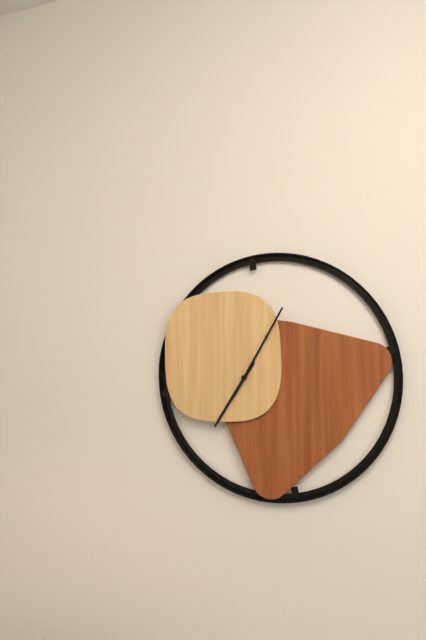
7:05
